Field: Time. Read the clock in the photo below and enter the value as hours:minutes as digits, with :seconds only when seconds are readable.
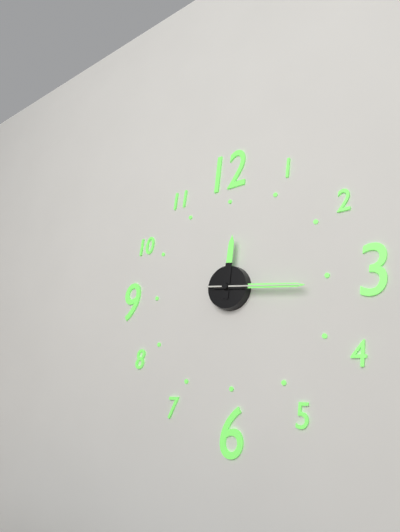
12:16:16
